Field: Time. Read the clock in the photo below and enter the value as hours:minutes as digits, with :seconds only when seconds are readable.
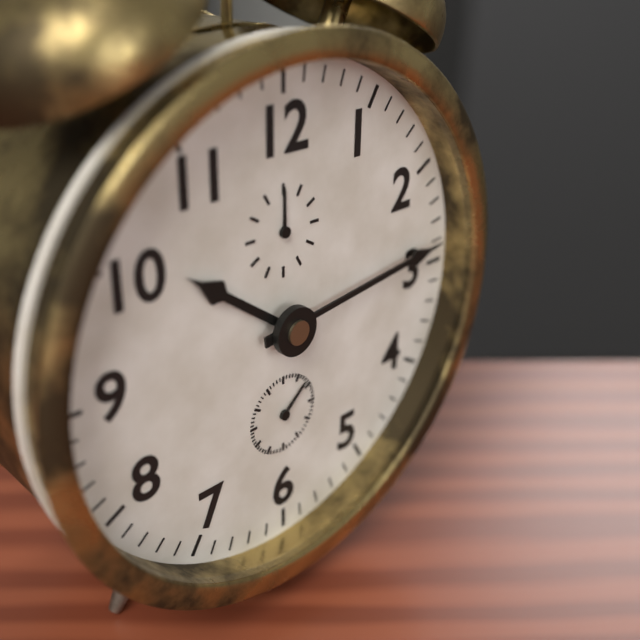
10:14
